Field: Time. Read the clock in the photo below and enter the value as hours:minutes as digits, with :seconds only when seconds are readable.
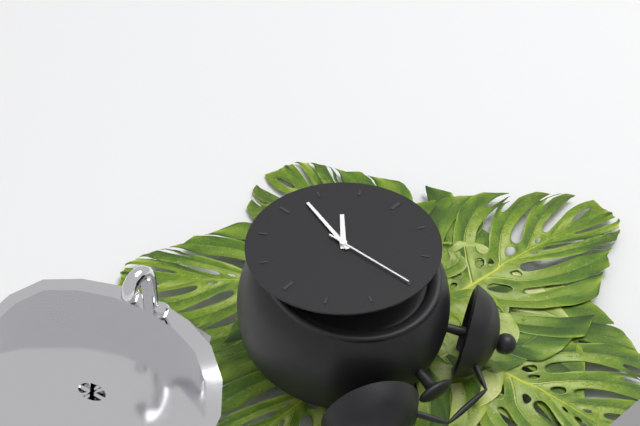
7:33:00
